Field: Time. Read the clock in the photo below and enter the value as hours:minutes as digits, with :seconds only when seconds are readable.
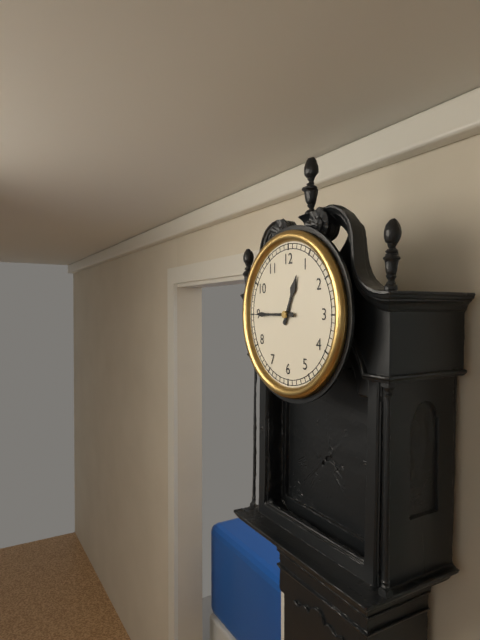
12:45
